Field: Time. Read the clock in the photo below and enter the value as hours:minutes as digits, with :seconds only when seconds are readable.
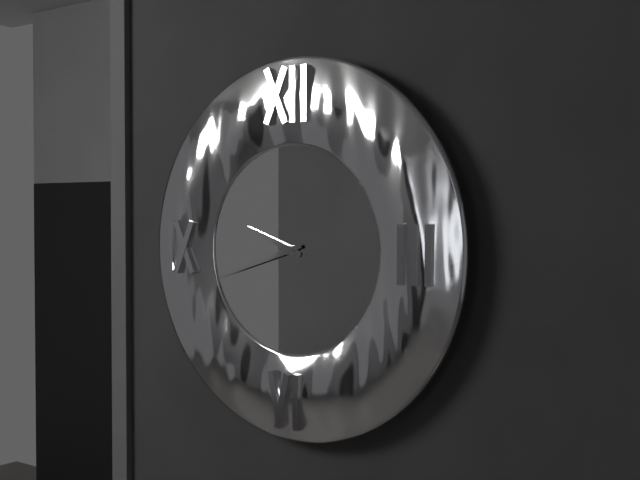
9:42
